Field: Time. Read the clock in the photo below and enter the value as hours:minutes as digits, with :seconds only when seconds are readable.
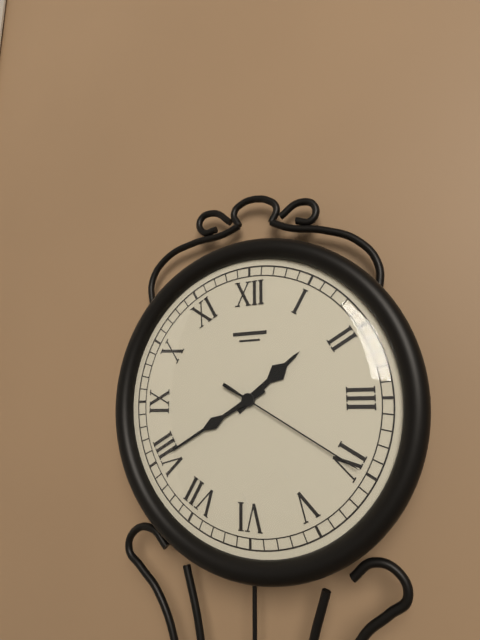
1:40:20
